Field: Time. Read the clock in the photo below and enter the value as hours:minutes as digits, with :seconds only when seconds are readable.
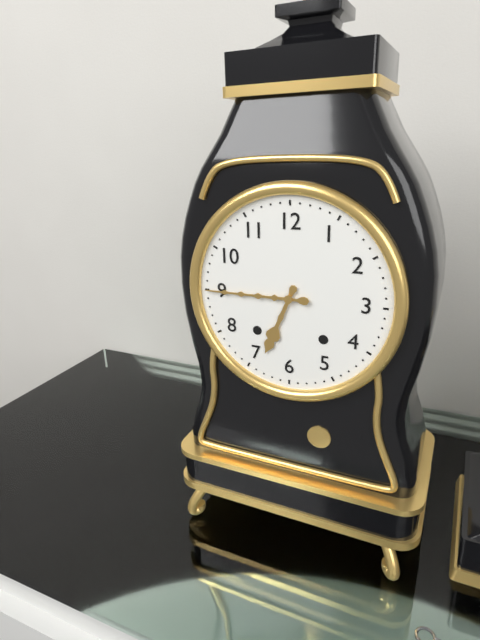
6:45
